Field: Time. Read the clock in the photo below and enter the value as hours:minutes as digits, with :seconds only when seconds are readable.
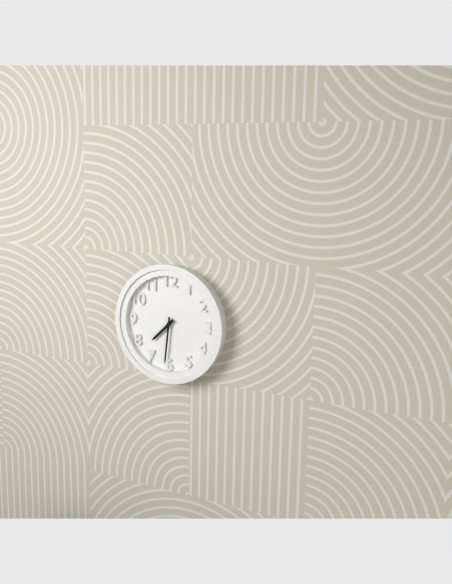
7:31
